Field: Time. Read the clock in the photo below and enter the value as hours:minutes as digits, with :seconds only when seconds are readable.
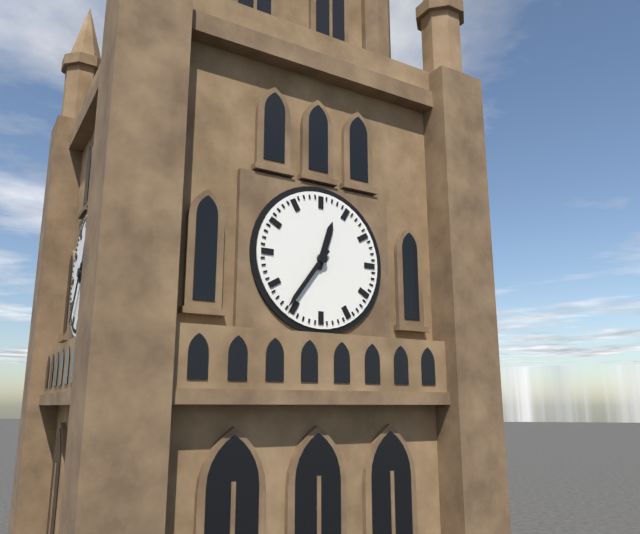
12:36
